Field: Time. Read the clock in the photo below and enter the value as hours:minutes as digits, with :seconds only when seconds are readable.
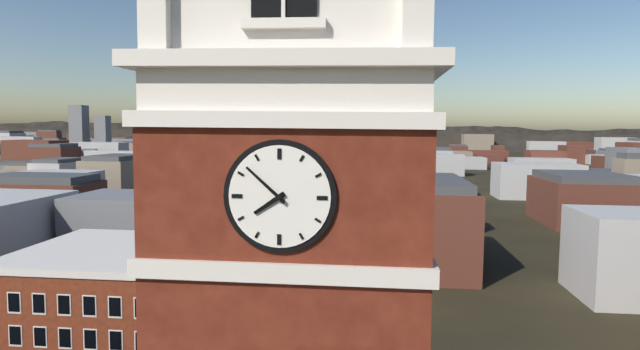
7:52
